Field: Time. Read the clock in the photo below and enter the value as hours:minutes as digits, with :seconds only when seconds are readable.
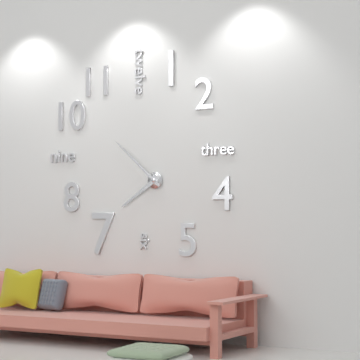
7:52
